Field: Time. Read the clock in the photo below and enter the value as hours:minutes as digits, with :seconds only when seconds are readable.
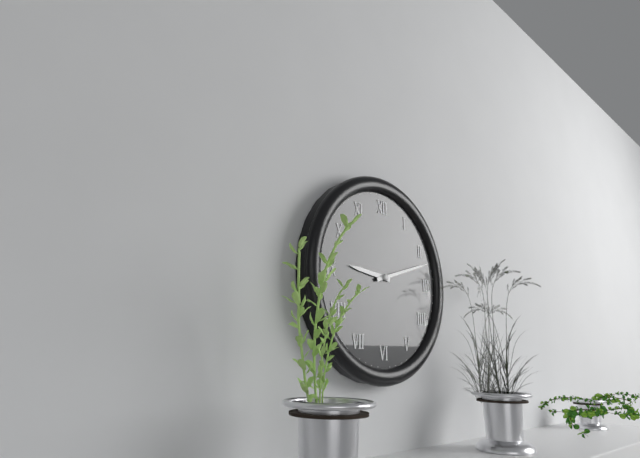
9:12
